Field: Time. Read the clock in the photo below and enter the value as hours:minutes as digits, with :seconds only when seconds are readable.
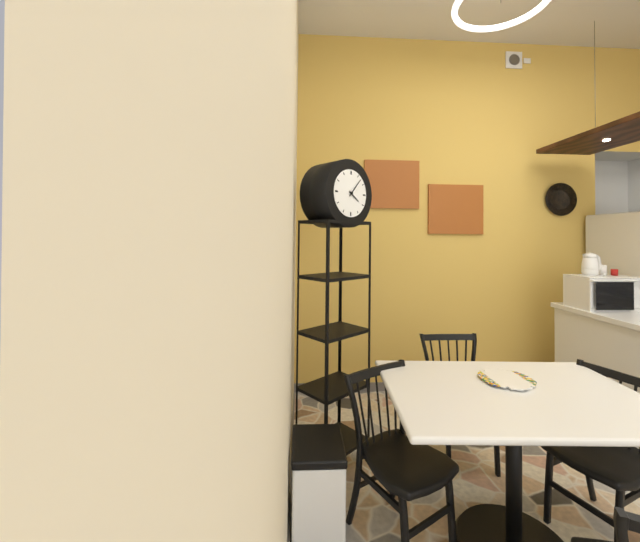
4:07
